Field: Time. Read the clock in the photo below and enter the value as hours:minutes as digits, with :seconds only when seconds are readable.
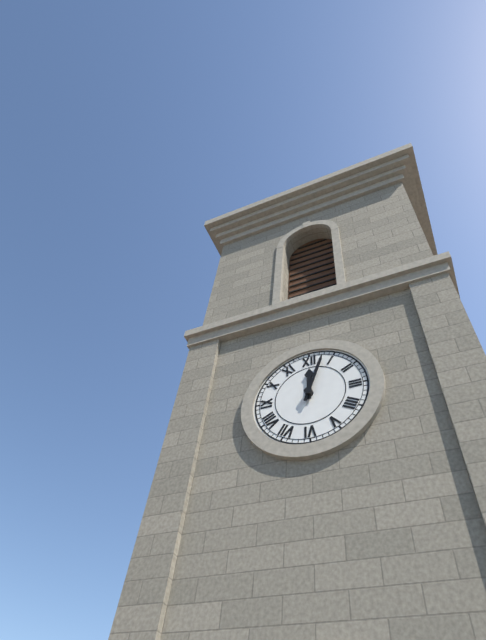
12:03
